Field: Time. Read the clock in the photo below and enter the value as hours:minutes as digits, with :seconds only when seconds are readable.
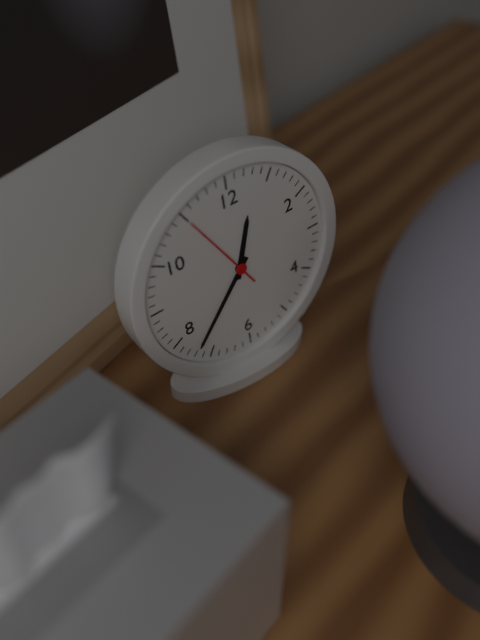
12:37:55
